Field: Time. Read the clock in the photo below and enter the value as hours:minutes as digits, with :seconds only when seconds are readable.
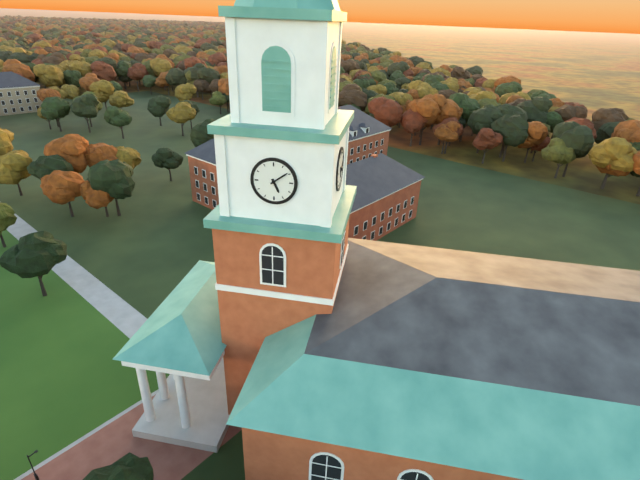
5:09
